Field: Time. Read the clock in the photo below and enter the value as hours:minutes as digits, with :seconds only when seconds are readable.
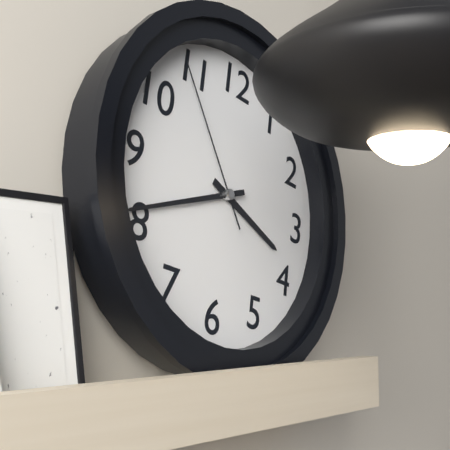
3:41:54
